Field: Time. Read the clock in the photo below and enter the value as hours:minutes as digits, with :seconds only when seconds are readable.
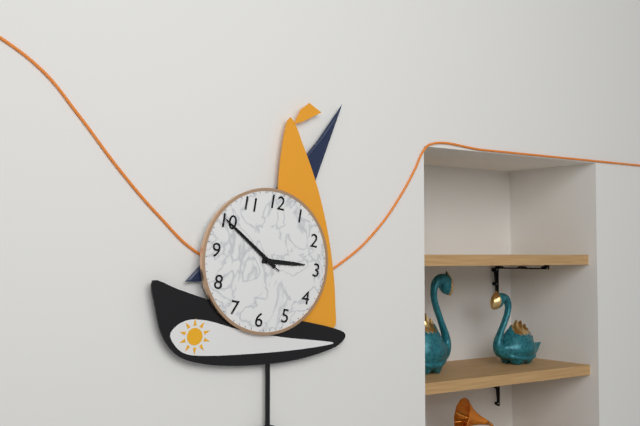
2:50:50
